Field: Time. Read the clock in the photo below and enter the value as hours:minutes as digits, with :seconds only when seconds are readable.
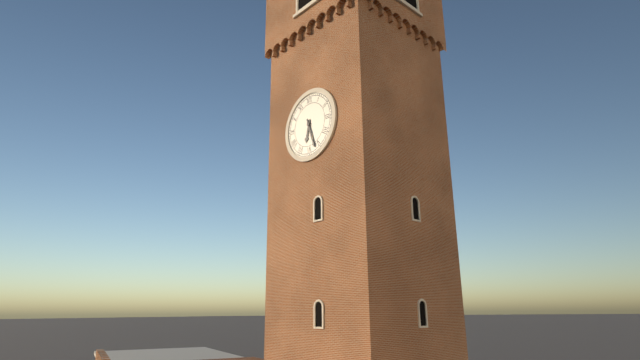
6:27
